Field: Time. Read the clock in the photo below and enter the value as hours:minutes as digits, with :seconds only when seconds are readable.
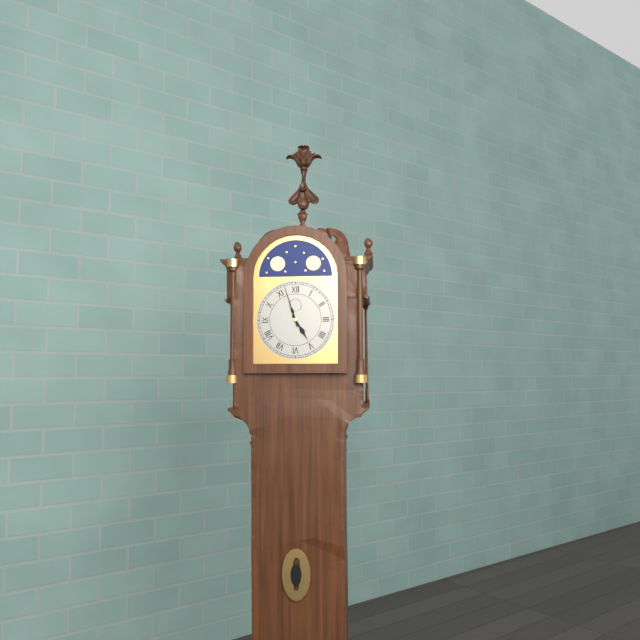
4:57
